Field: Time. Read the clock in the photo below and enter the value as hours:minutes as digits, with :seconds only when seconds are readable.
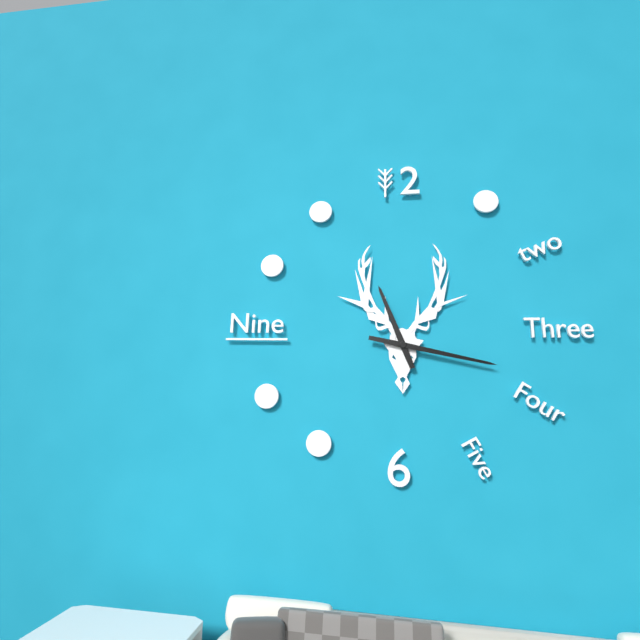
11:17
